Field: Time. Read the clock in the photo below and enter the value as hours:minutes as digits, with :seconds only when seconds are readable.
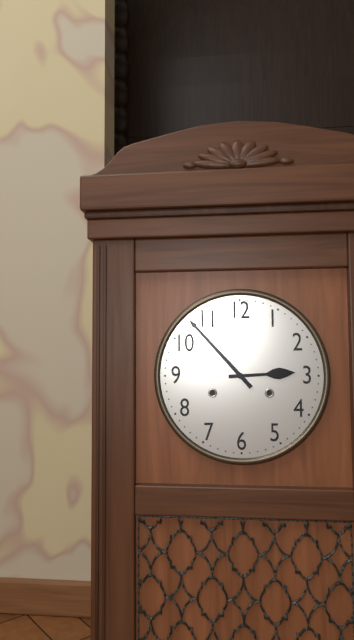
2:53
